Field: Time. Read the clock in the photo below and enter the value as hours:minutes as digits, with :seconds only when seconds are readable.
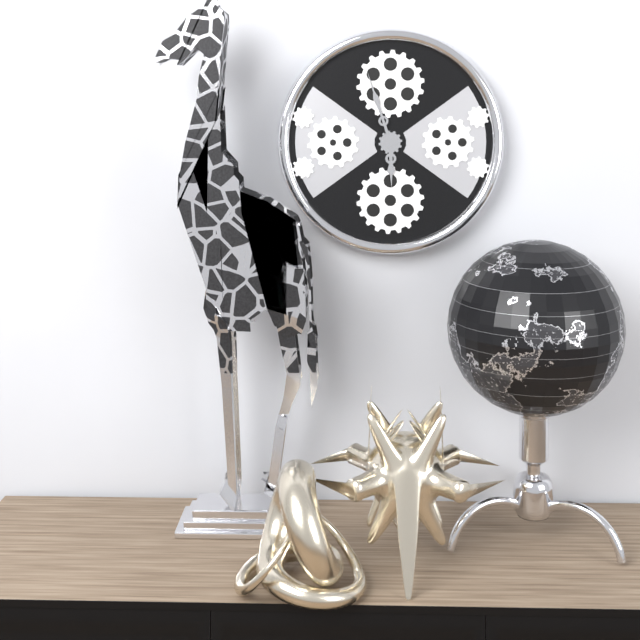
5:57
